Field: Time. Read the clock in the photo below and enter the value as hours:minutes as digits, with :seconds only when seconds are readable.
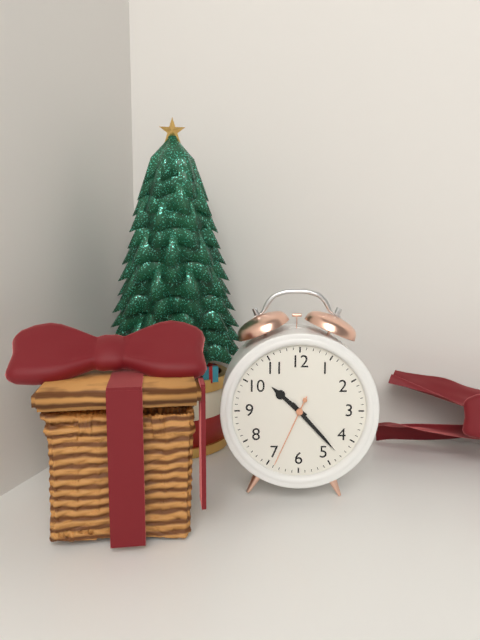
10:23:34
